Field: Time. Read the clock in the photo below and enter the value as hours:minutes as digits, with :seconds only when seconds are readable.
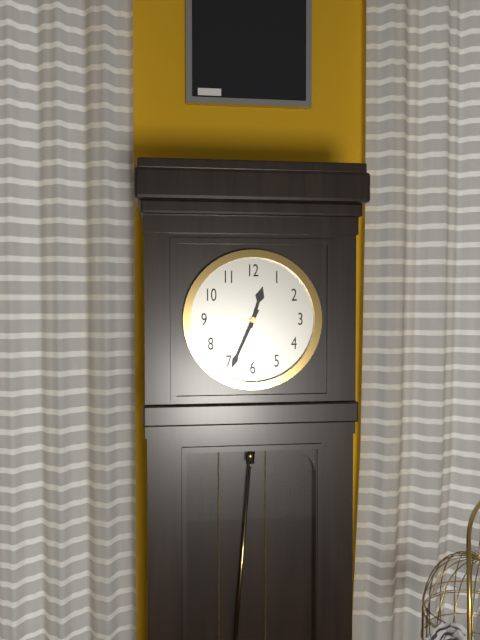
12:34
